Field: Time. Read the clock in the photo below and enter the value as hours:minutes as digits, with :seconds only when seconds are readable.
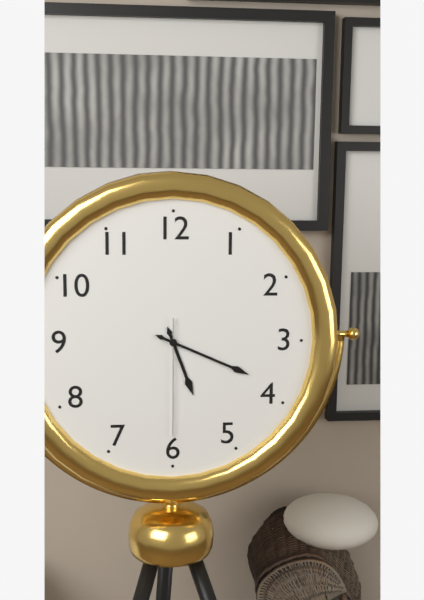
5:19:30
